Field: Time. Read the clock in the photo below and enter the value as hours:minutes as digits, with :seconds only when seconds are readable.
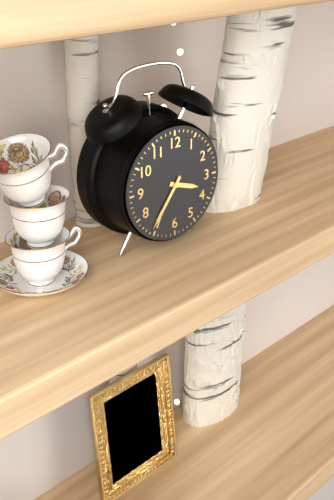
3:36
